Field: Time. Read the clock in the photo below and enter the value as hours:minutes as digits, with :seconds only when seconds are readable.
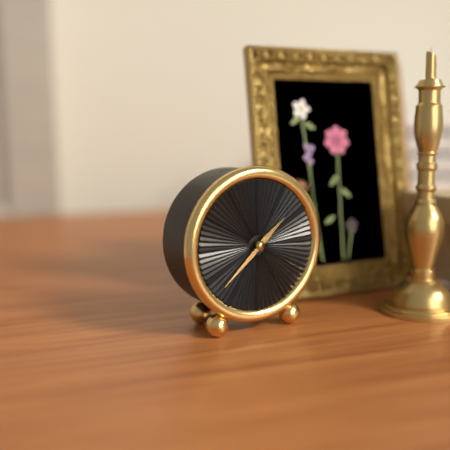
1:38
